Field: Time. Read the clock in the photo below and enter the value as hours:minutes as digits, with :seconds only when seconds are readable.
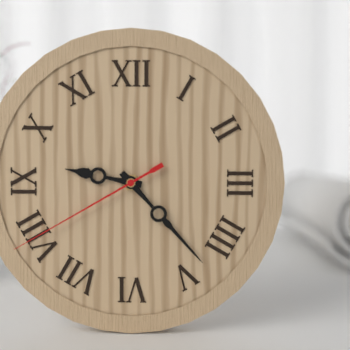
9:23:40
